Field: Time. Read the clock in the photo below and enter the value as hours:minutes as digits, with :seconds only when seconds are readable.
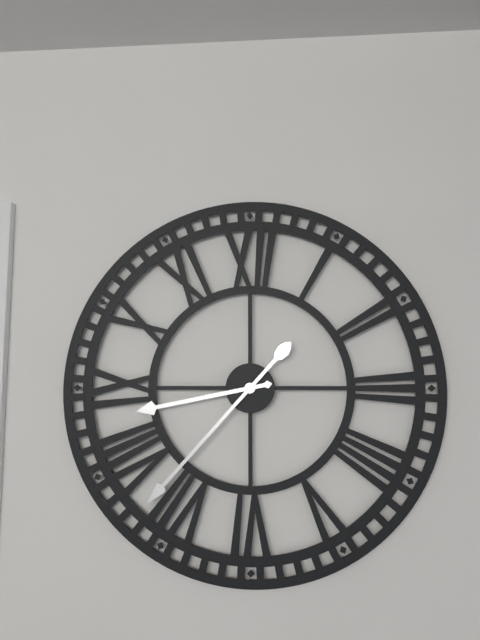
8:37
